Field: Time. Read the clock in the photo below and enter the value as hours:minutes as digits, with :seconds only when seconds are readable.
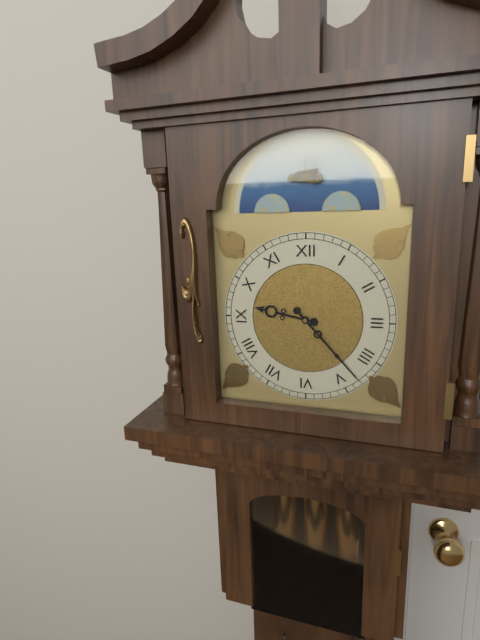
9:23
